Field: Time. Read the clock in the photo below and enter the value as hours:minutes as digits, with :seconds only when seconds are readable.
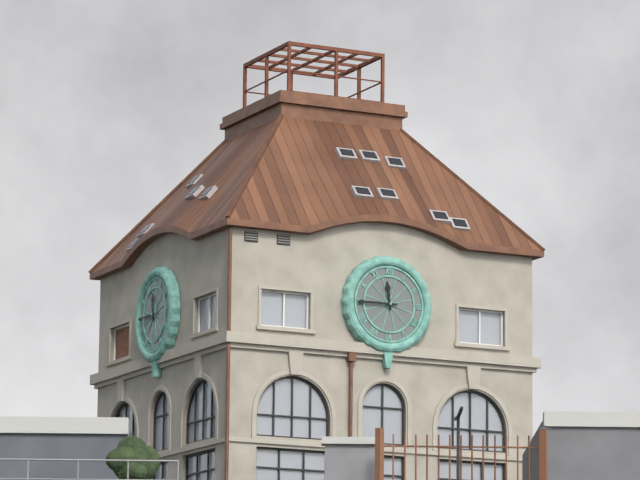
11:45
